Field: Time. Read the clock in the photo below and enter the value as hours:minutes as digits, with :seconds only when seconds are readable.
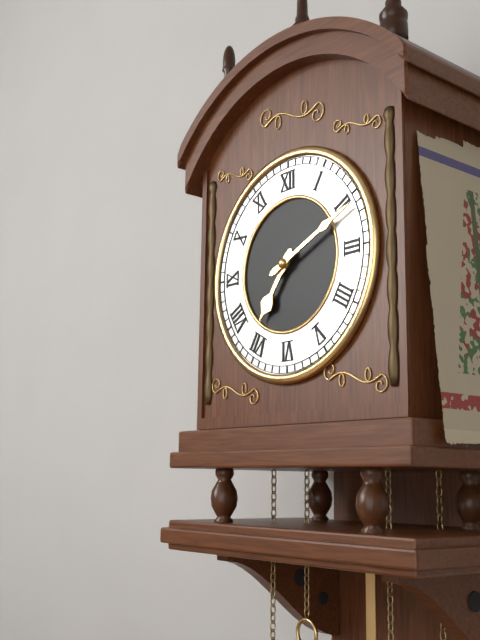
7:11
